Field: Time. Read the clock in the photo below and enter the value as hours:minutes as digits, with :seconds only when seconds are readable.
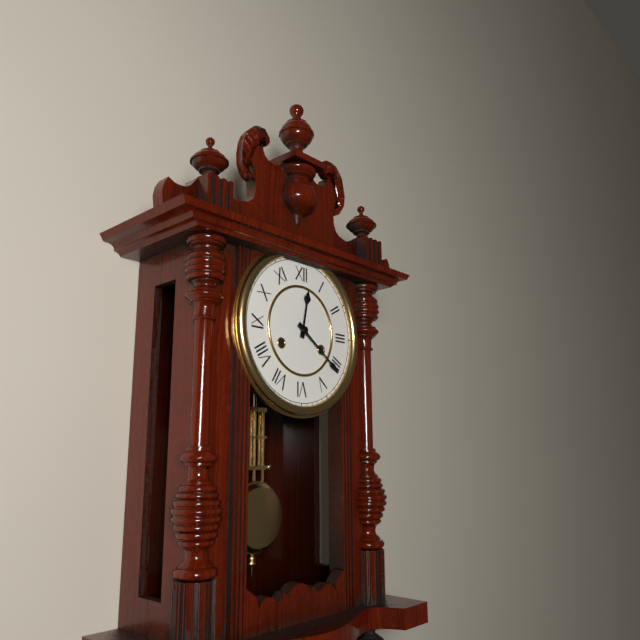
12:21
